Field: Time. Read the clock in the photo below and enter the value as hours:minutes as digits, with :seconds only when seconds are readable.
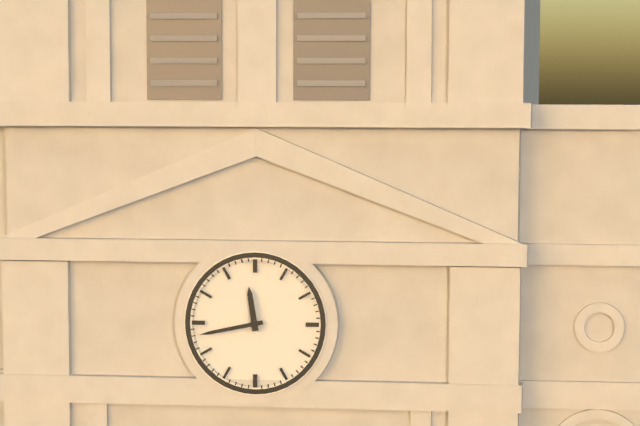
11:43
